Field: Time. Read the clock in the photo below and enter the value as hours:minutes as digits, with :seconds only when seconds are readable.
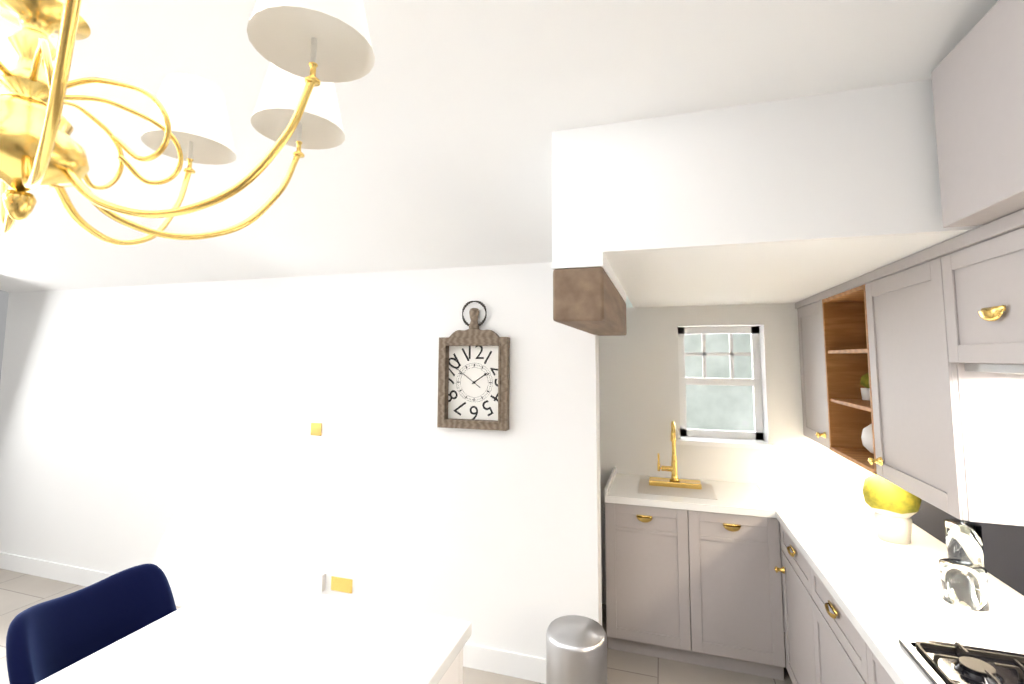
1:51
